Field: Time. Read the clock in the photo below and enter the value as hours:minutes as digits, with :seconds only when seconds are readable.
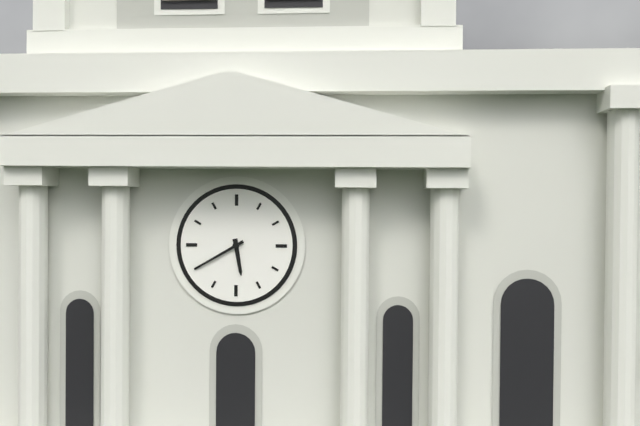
5:40
